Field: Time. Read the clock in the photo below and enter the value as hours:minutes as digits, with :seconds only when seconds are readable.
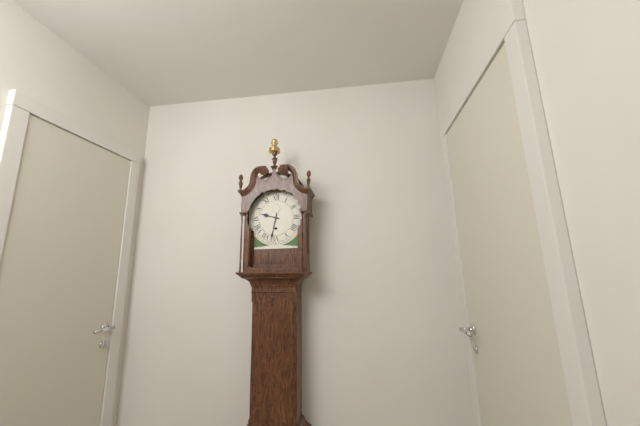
9:32
